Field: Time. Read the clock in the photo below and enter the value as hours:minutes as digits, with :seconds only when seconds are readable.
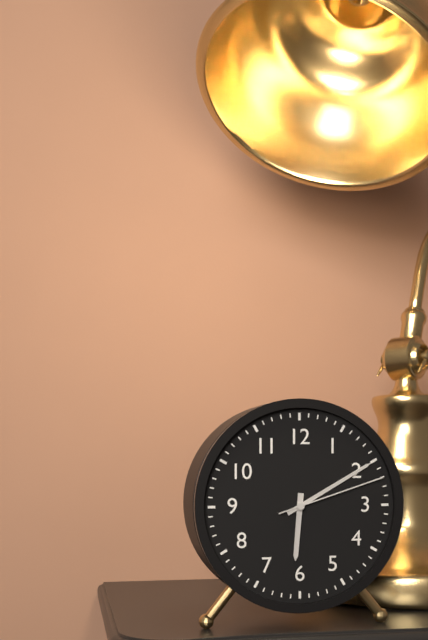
6:10:12
